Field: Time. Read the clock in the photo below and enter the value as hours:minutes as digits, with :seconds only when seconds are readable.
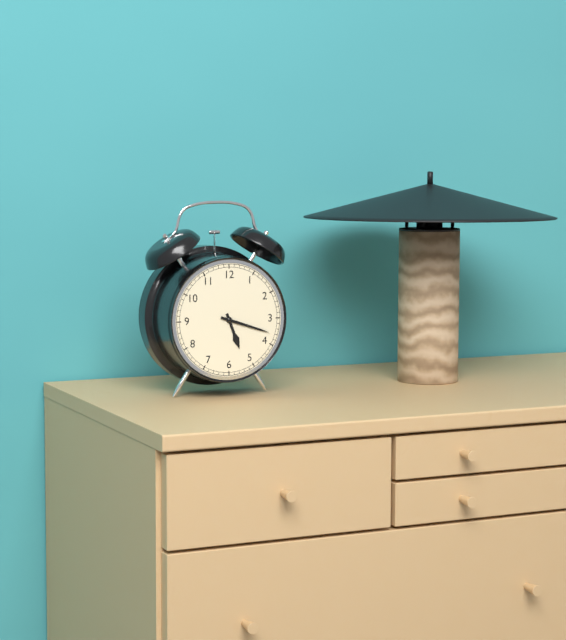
5:18
